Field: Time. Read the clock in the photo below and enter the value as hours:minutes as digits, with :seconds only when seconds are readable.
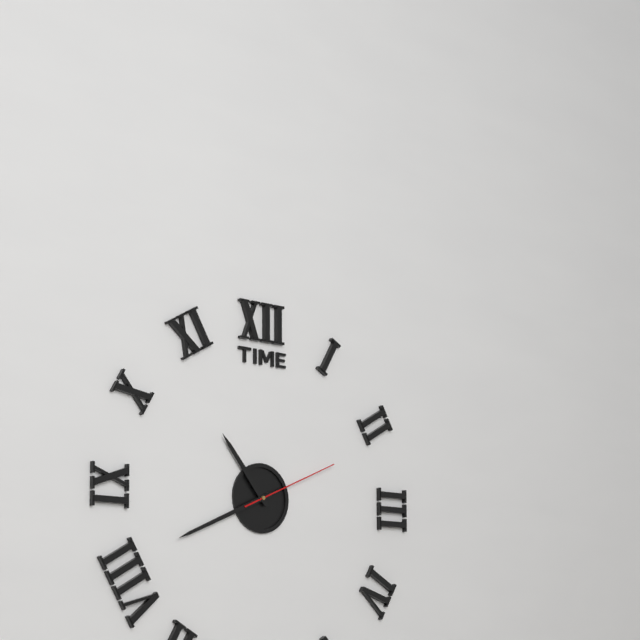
10:41:11
